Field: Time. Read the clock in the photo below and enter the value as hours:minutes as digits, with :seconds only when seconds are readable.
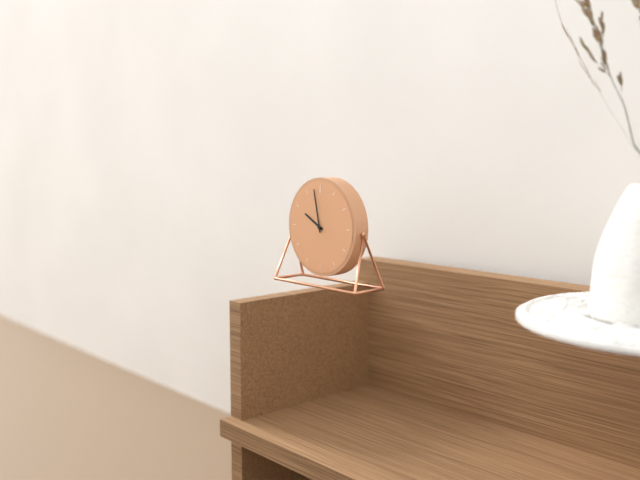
9:58
